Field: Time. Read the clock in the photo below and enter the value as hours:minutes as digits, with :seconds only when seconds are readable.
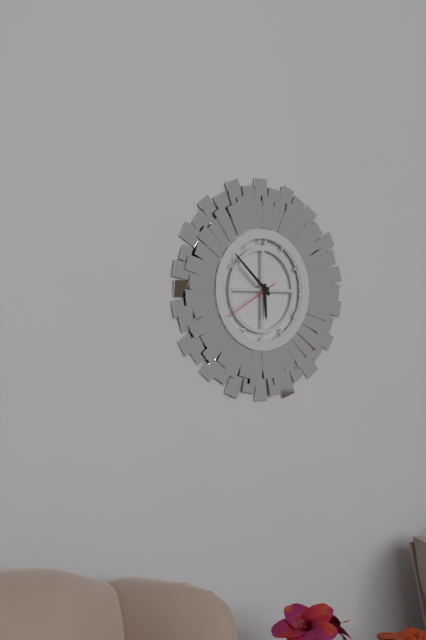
5:52:40
